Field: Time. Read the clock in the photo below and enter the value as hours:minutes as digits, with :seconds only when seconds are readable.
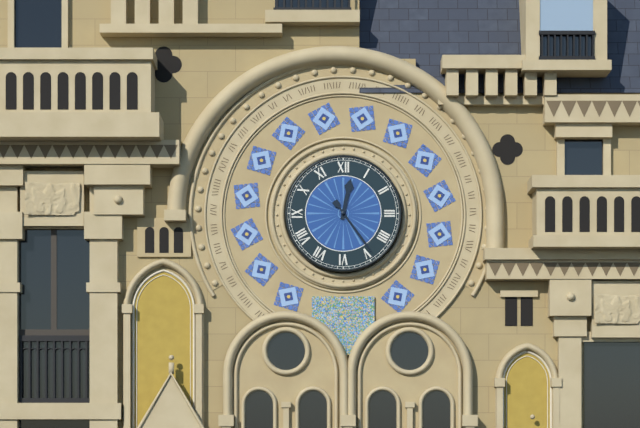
12:24
